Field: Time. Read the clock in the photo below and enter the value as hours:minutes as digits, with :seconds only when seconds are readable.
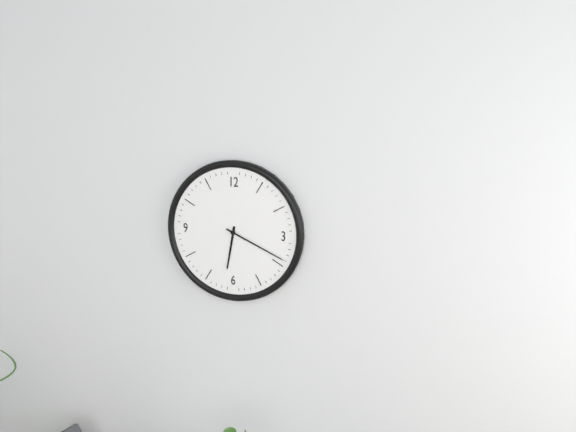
6:19
